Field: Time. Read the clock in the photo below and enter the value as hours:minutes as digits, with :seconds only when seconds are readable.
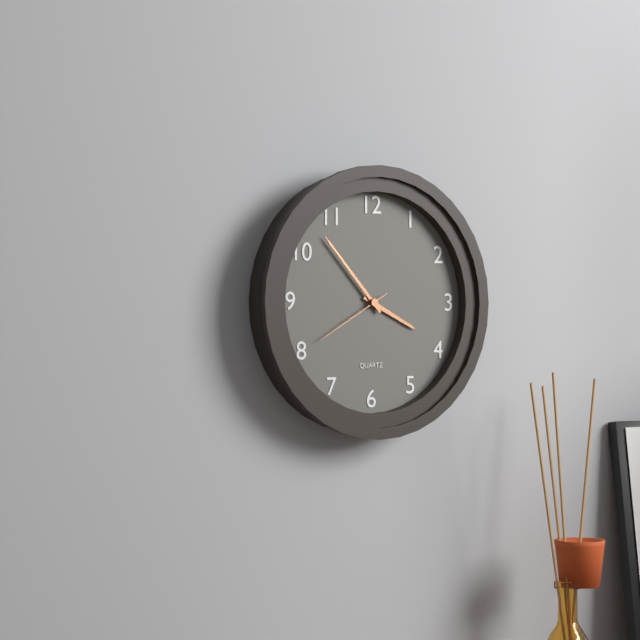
3:53:40
